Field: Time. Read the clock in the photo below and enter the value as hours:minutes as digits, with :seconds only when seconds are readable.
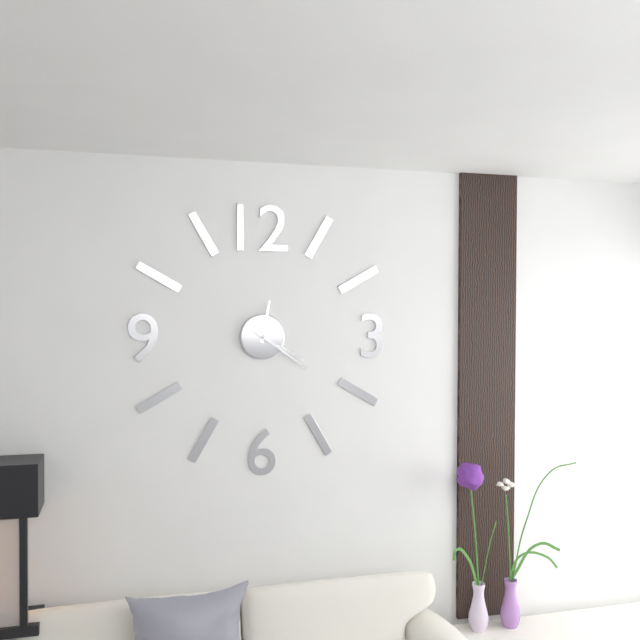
12:21:20
